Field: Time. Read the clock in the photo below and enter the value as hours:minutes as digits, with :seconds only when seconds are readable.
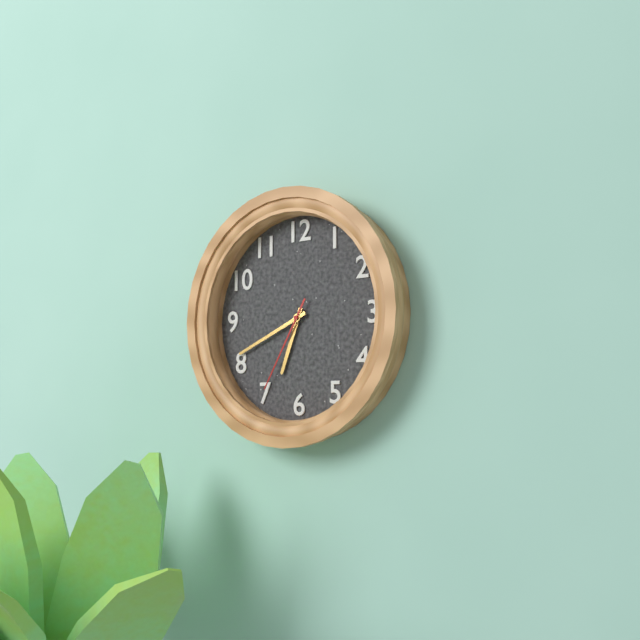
6:41:35
